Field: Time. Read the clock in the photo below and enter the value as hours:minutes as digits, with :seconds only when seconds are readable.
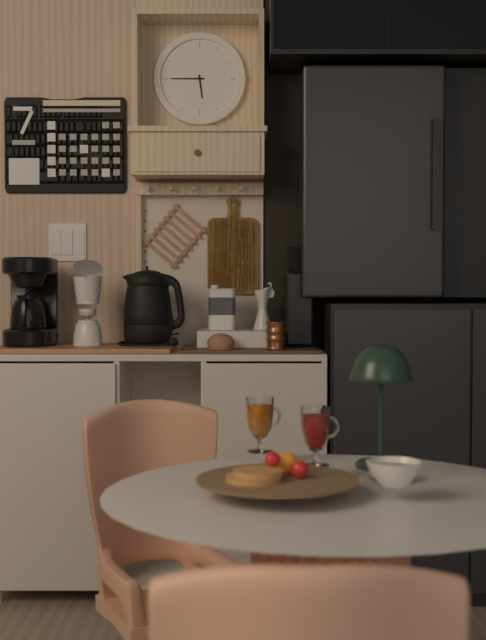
5:45
